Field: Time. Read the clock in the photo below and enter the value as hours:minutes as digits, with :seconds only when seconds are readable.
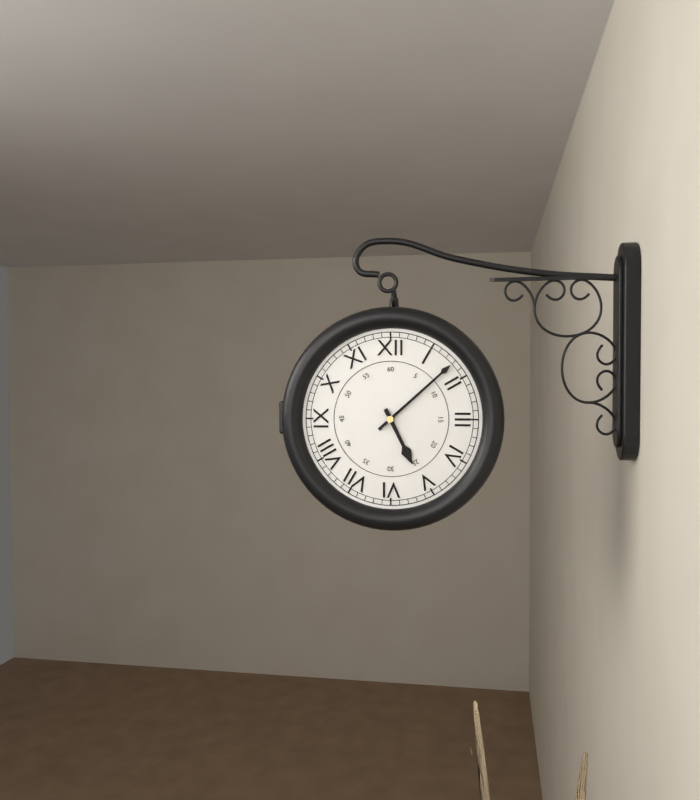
5:08
